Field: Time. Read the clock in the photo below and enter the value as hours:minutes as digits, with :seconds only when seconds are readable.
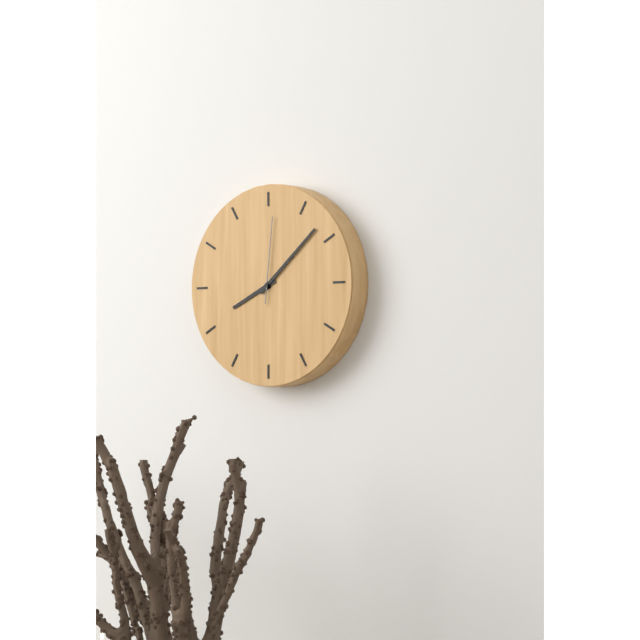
8:08:01
